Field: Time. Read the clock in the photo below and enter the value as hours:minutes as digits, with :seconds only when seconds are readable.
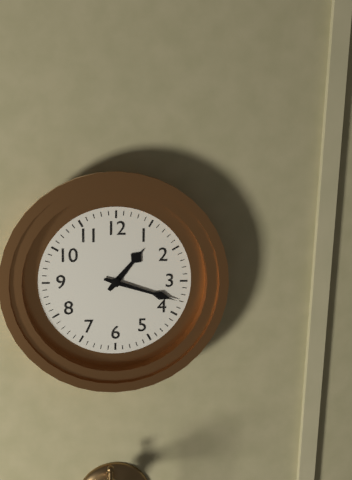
1:18
